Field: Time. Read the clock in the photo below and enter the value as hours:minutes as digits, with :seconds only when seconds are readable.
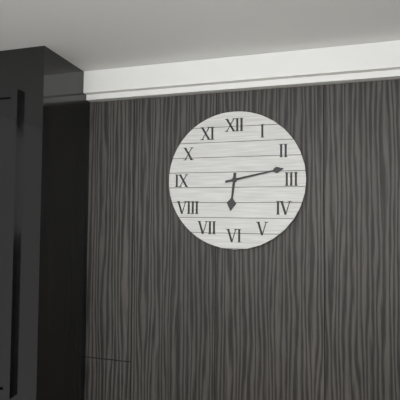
6:13
